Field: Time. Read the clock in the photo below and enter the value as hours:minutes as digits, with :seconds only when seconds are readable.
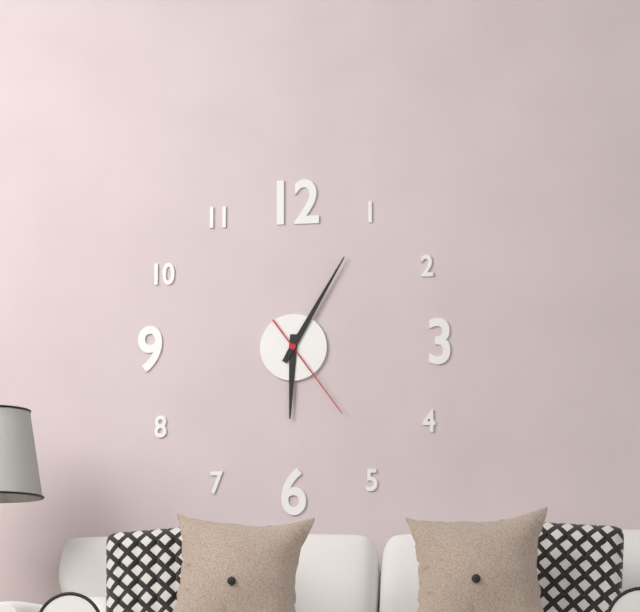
6:05:24
